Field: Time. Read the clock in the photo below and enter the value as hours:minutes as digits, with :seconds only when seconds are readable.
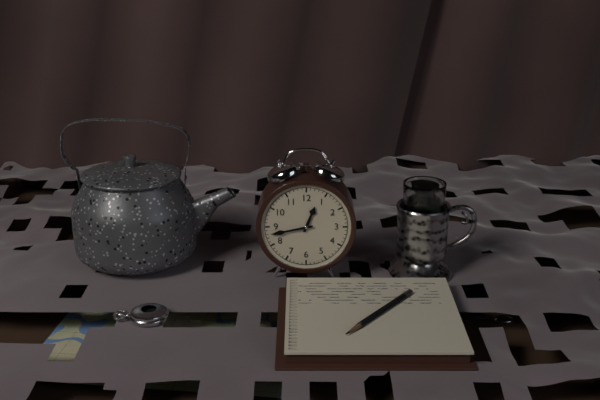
12:43
